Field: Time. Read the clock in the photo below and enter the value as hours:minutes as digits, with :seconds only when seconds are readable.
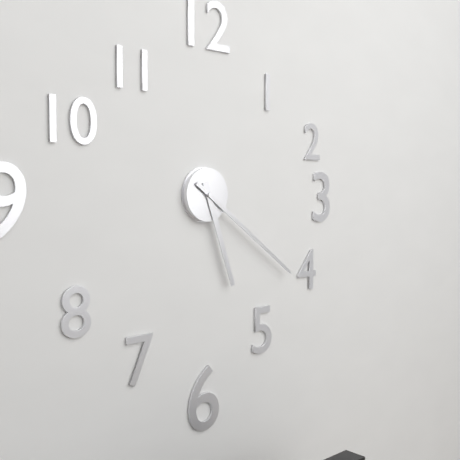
5:21
